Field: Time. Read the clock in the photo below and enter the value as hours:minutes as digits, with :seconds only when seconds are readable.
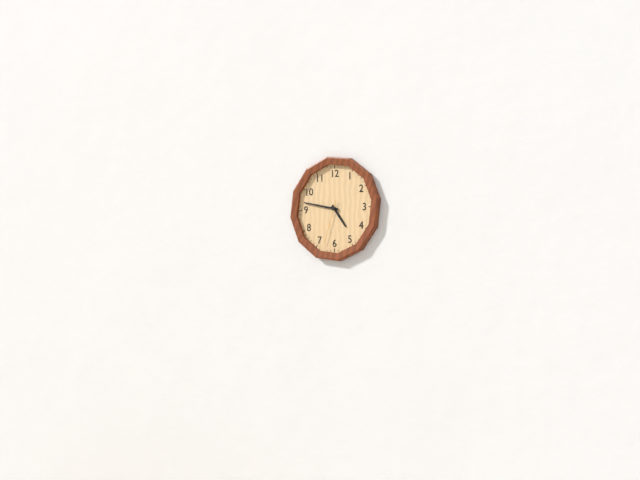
4:47
